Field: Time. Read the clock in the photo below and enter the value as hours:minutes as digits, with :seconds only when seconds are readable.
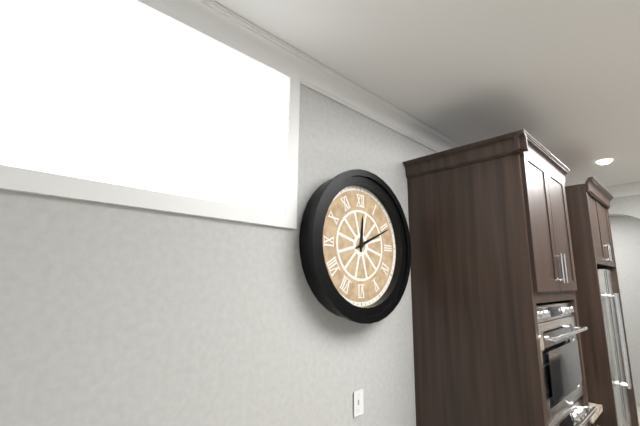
12:11
